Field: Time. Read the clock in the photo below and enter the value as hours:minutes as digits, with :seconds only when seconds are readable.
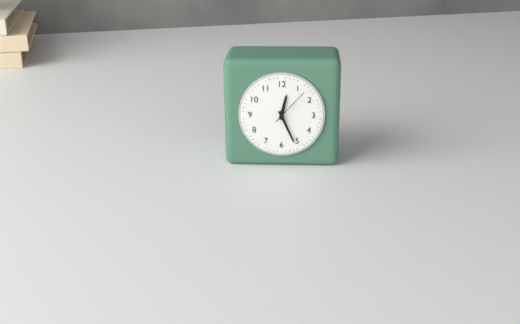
12:26
